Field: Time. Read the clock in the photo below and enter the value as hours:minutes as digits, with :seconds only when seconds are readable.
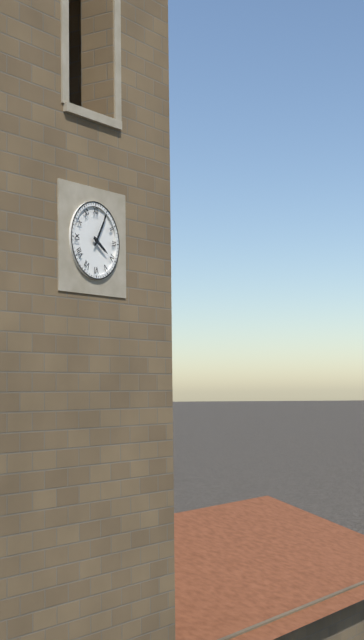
4:05
